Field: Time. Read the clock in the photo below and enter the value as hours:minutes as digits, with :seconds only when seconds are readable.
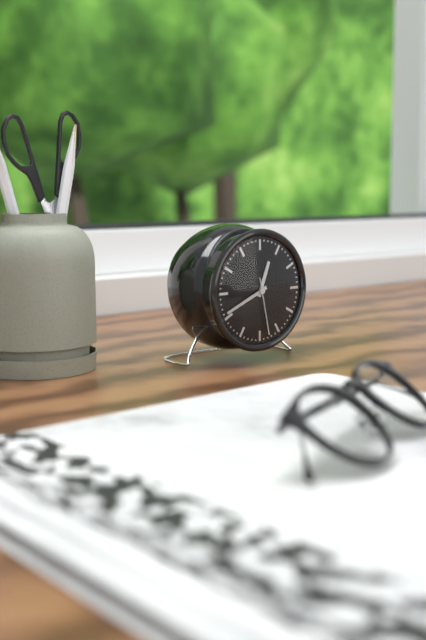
12:41:28
